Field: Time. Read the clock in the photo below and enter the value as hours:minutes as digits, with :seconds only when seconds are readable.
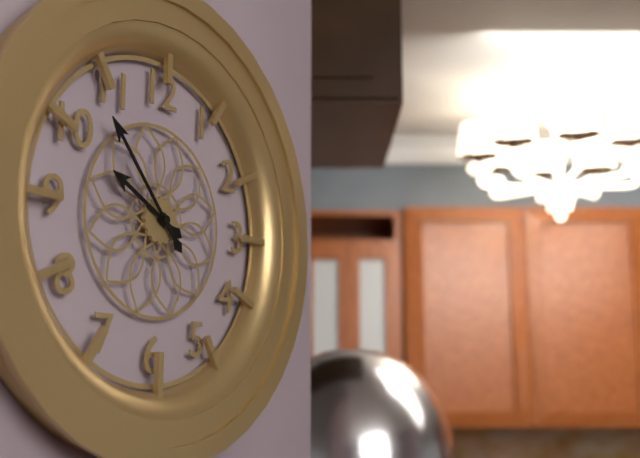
9:53
